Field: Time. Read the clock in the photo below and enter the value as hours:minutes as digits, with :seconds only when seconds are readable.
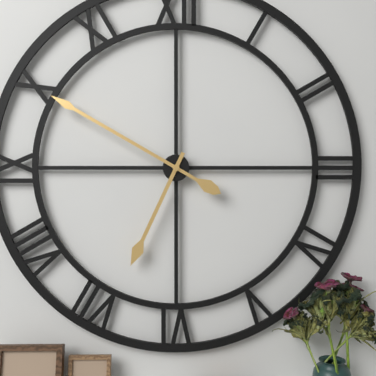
6:50
